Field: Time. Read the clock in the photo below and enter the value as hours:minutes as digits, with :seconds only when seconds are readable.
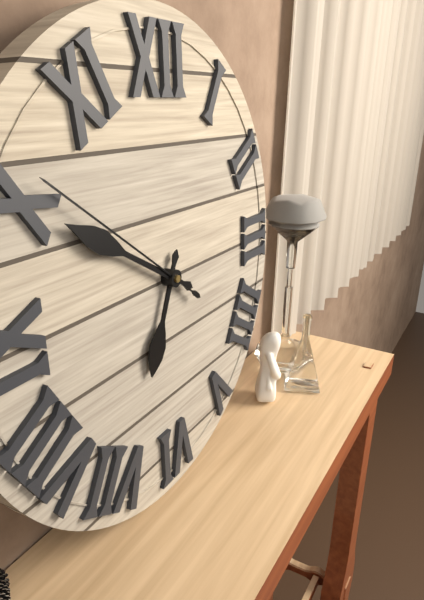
6:50:51
